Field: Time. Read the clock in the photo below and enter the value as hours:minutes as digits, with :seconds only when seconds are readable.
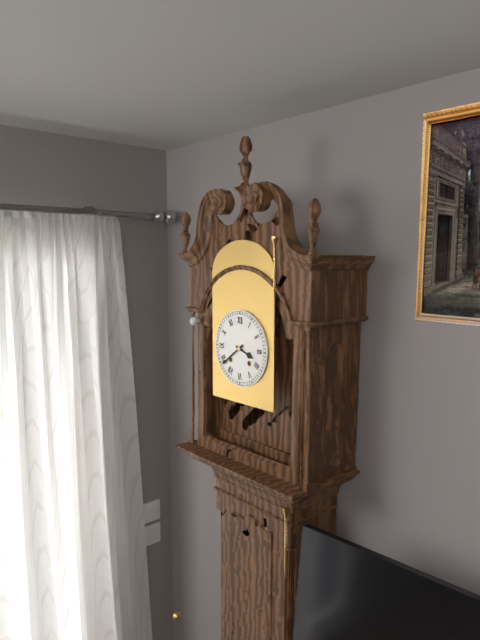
3:39
